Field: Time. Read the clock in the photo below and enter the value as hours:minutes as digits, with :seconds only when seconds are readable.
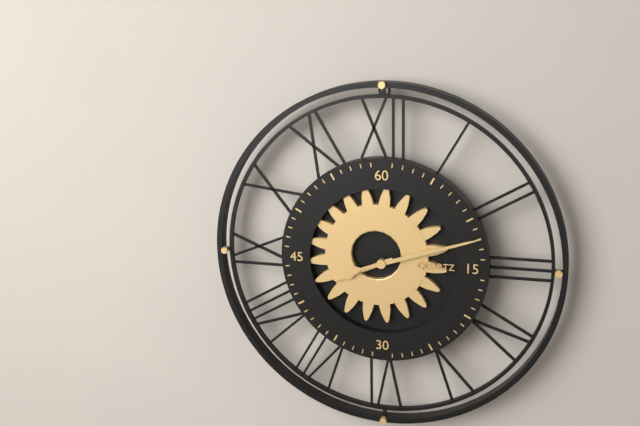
8:12
